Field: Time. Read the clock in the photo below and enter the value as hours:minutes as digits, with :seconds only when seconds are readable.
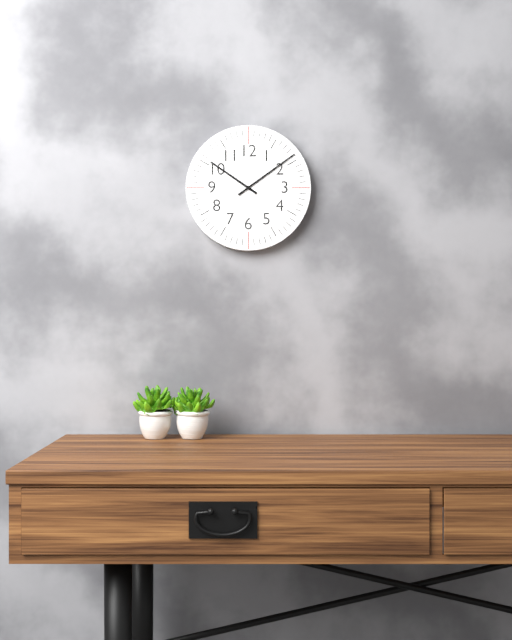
10:09
